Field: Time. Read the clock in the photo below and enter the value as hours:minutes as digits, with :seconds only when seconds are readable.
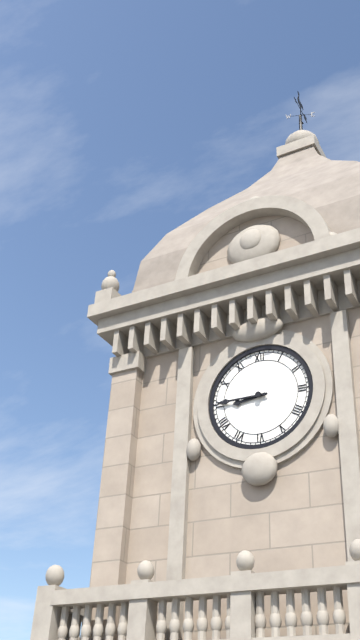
8:45
